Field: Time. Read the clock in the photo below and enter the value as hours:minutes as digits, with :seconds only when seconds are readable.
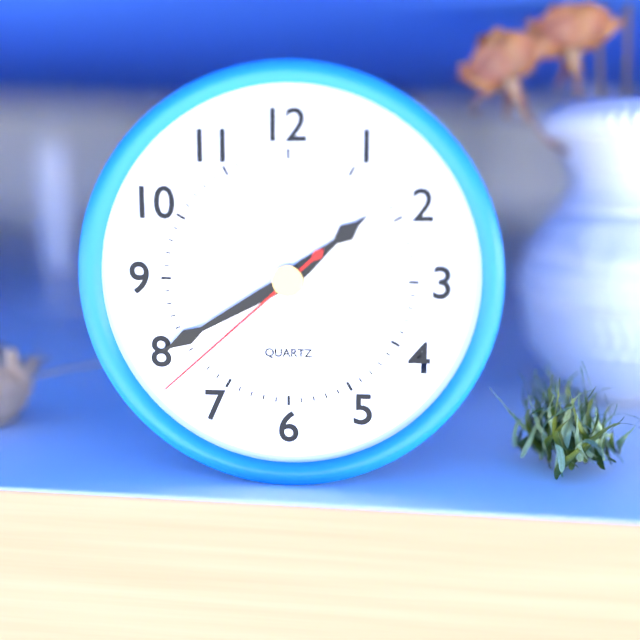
1:40:38
